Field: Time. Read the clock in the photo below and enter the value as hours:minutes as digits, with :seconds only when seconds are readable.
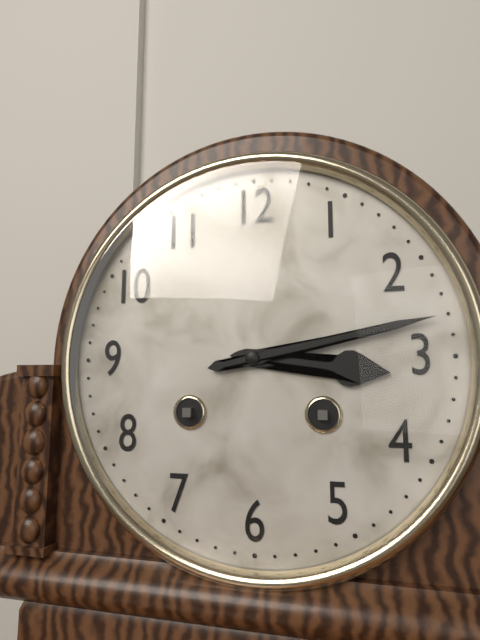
3:13
